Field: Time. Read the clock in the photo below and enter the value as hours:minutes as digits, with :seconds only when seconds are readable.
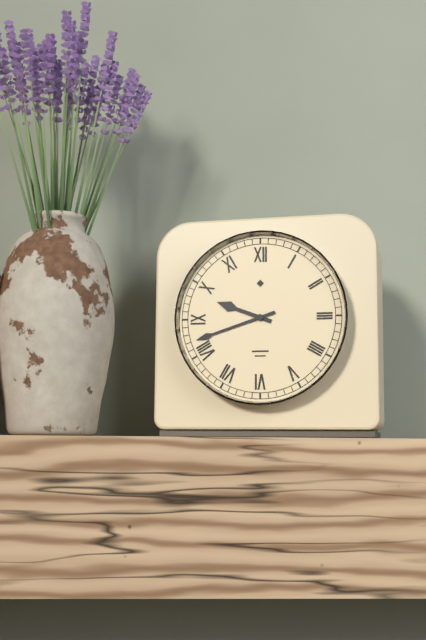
9:42
